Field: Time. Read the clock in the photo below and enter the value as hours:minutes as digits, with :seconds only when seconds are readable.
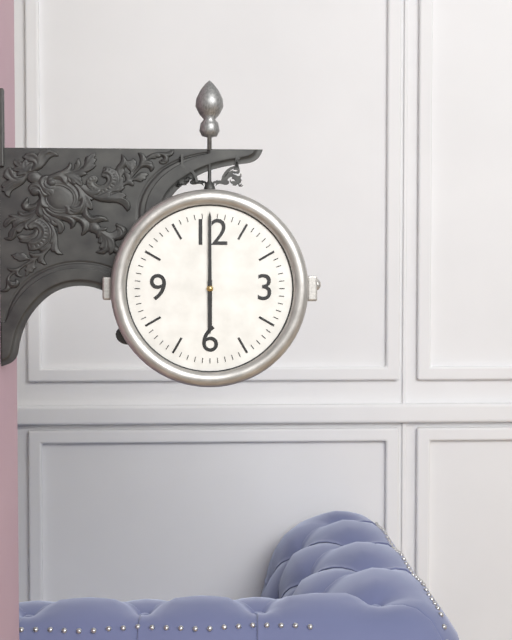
6:00
